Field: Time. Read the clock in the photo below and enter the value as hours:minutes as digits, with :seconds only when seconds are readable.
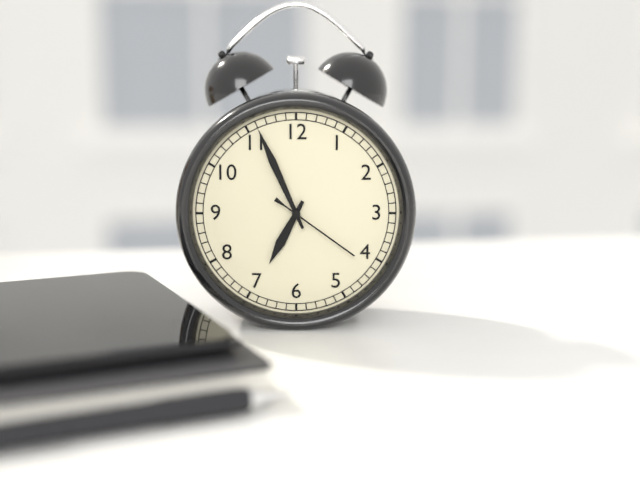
6:56:21
